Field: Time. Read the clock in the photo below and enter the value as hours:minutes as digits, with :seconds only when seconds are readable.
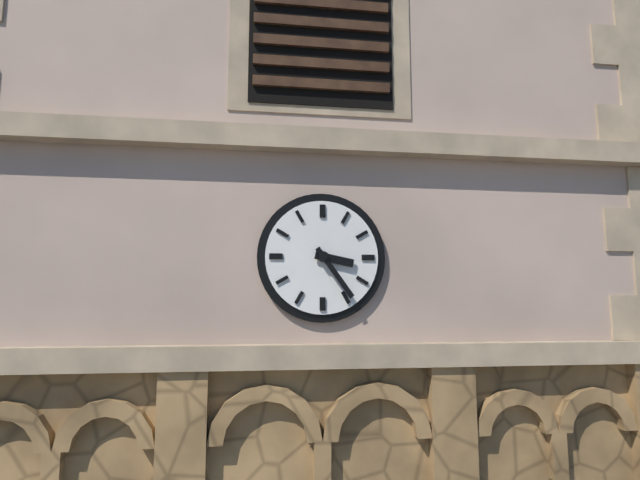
3:24
